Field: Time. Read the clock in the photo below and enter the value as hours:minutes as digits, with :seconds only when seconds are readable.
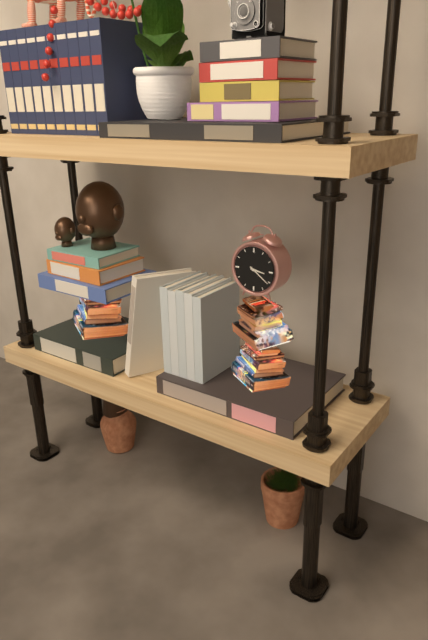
3:21
